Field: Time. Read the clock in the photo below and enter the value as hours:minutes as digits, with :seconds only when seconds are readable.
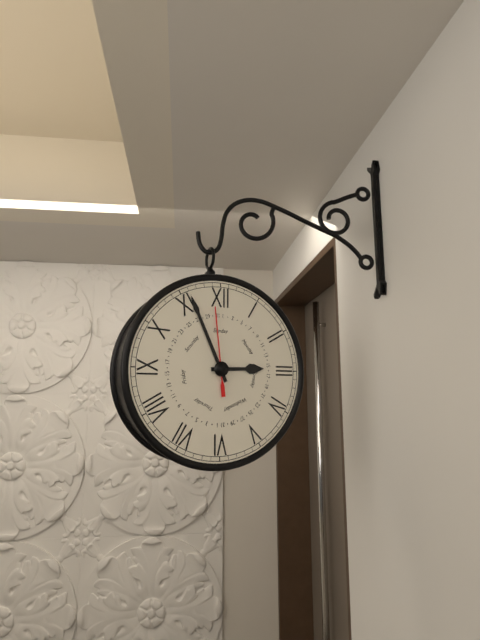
2:56:59
